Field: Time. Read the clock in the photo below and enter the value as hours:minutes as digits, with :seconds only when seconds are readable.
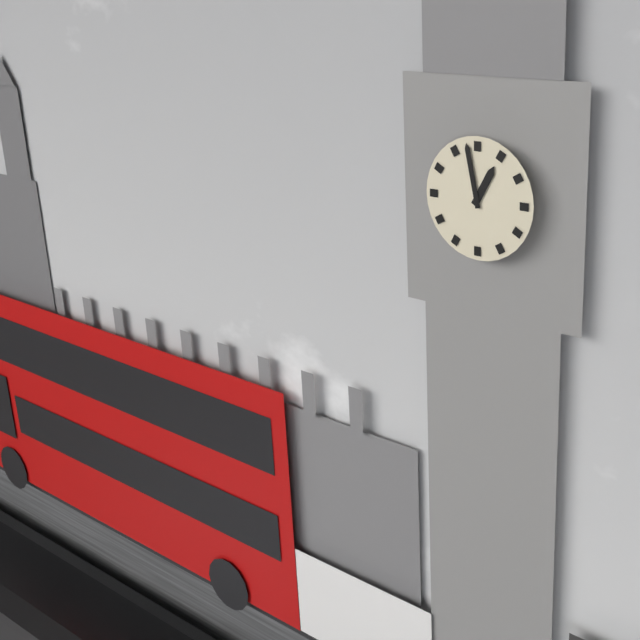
12:58
